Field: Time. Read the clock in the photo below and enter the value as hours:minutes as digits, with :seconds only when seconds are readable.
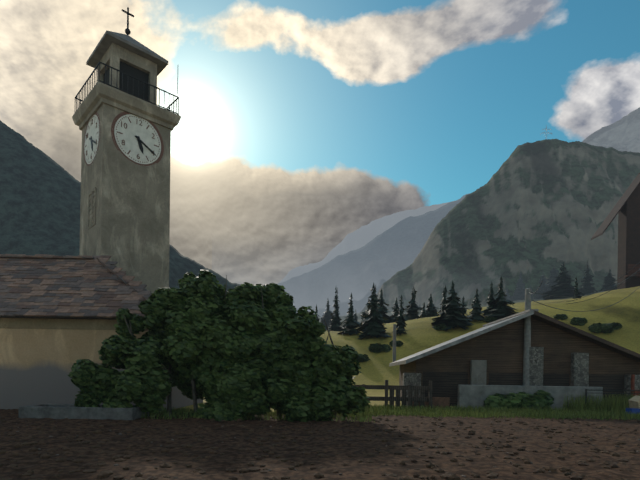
5:20
